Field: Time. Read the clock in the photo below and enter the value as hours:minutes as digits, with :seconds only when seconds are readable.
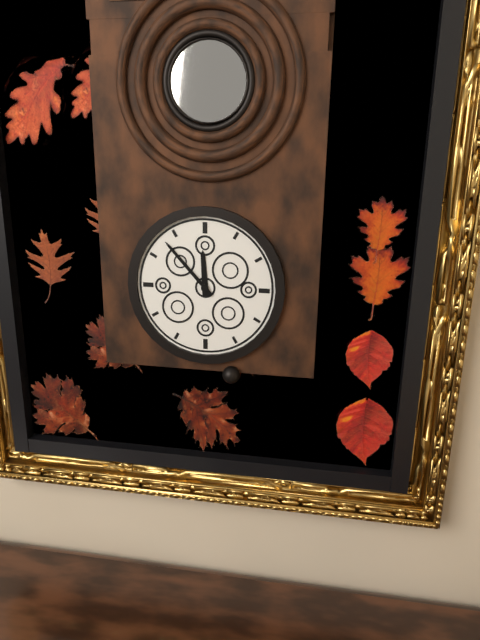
11:53
